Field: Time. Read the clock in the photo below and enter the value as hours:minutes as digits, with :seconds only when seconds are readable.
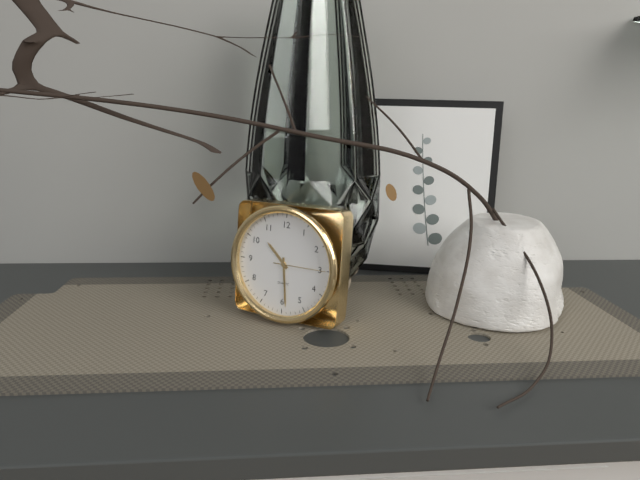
10:29:15
